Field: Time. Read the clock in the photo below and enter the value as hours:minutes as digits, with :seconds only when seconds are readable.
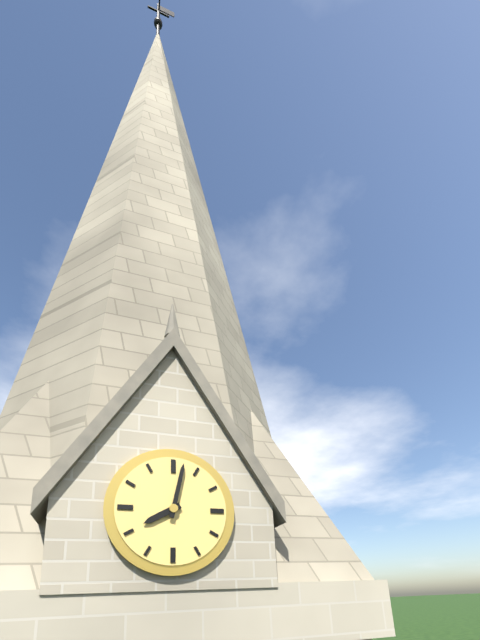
8:02
